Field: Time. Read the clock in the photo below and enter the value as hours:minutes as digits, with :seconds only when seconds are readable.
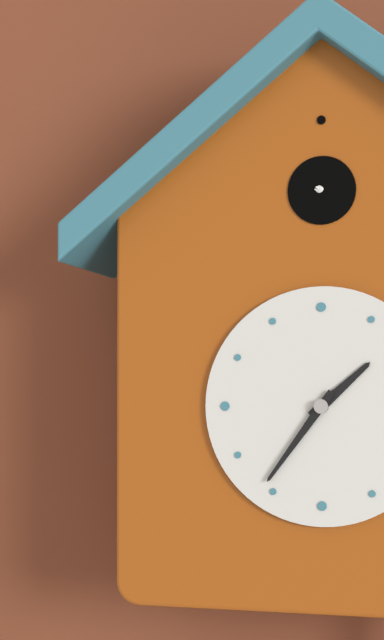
1:36
